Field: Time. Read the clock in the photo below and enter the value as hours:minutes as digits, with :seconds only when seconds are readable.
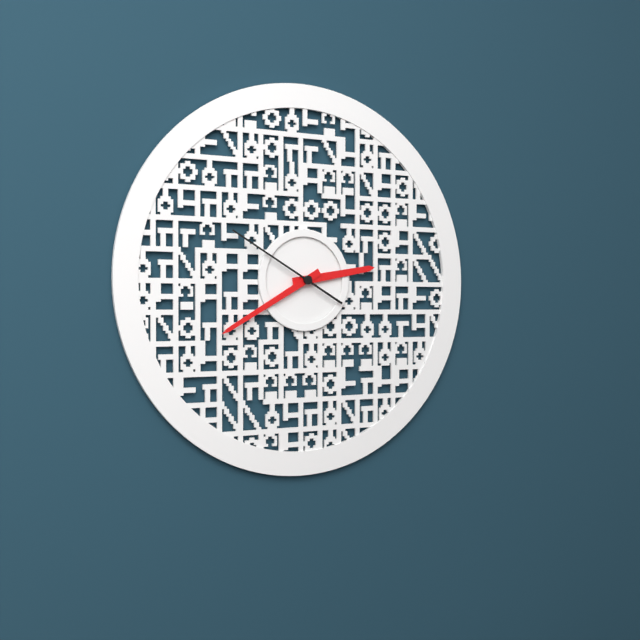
2:40:50
